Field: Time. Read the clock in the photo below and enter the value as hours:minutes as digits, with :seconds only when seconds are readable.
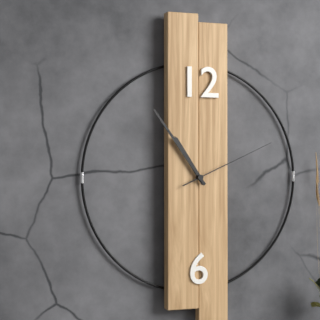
10:54:11
